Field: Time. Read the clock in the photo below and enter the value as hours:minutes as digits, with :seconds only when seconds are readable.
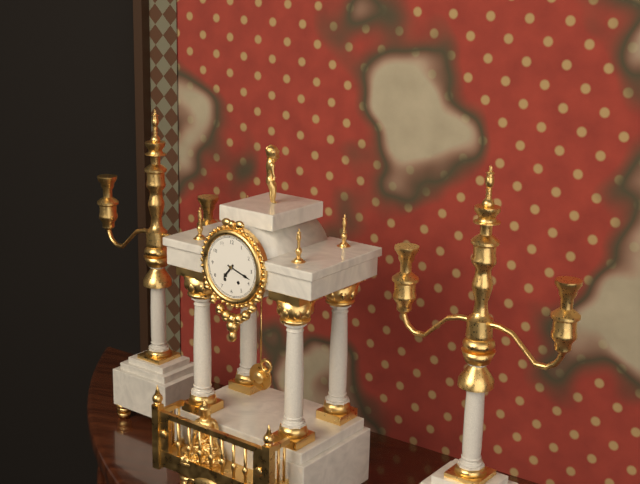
7:18
